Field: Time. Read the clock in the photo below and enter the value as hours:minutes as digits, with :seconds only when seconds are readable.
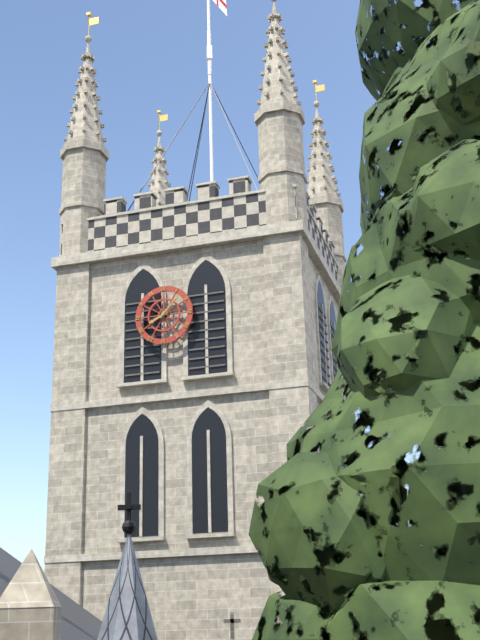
8:07
